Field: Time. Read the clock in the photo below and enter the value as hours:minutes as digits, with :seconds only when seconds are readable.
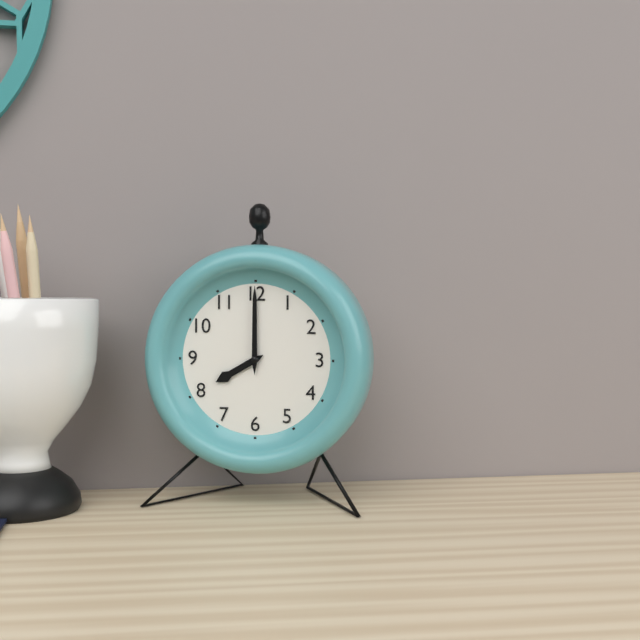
8:00
